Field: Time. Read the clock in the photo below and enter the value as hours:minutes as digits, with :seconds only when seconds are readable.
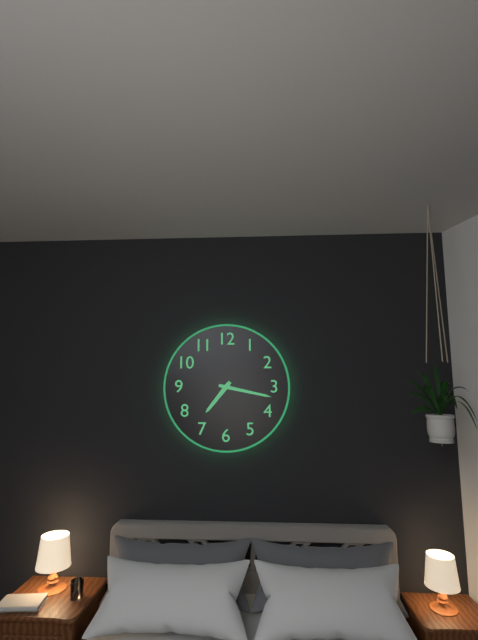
7:17
